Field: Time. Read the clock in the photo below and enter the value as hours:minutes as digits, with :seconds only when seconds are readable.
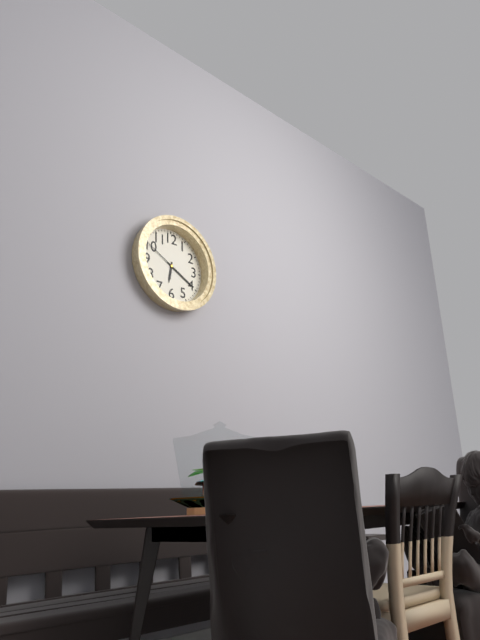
6:20
